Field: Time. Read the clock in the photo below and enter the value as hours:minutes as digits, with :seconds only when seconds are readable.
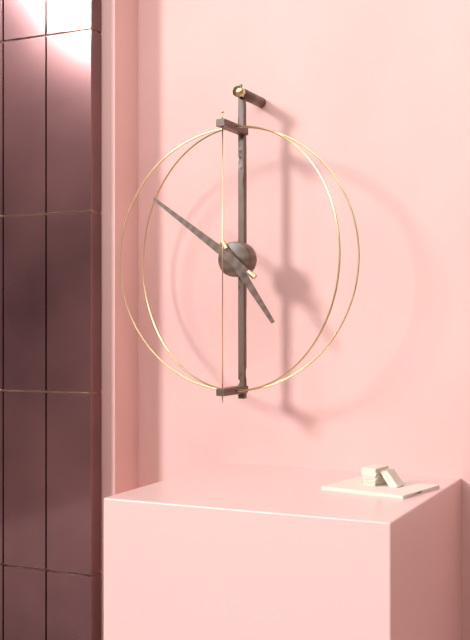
4:51
